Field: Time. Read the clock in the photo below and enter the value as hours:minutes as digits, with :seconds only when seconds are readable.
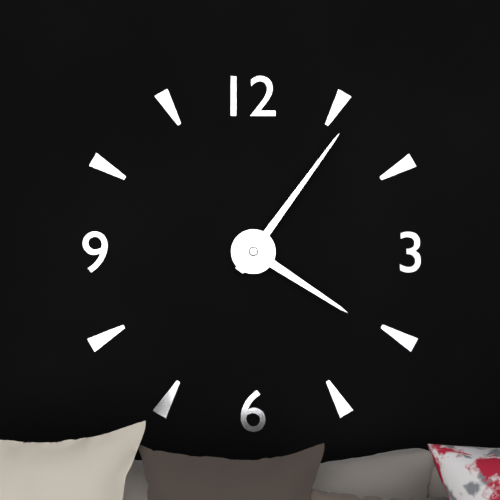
4:06
